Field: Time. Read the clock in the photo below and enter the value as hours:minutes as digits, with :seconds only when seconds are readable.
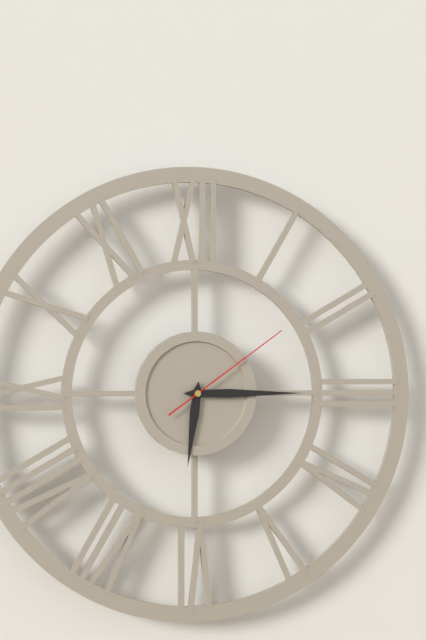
6:15:09
